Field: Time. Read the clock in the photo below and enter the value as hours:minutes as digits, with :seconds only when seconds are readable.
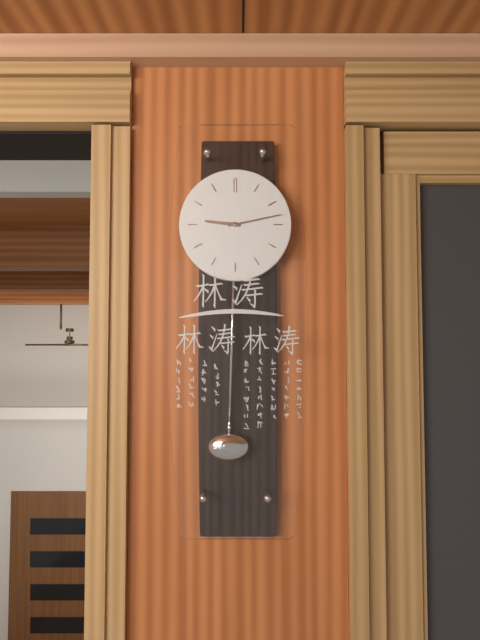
9:13
